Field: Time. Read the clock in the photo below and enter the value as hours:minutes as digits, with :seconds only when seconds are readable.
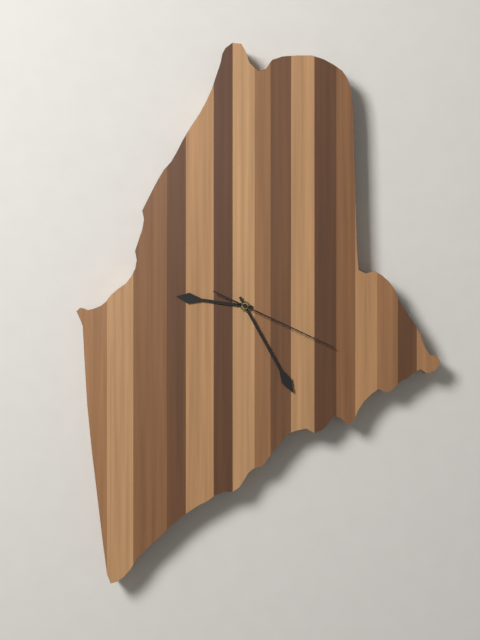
9:26:20
